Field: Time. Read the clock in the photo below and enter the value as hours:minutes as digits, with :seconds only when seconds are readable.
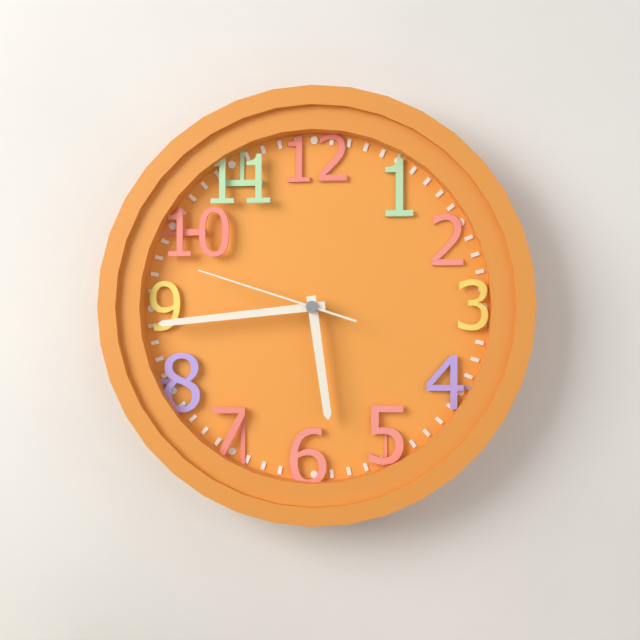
5:44:48
